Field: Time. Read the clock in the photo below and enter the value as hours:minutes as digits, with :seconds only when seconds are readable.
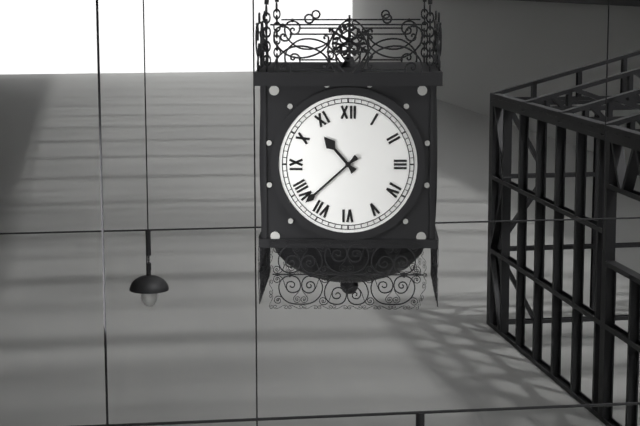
10:38
